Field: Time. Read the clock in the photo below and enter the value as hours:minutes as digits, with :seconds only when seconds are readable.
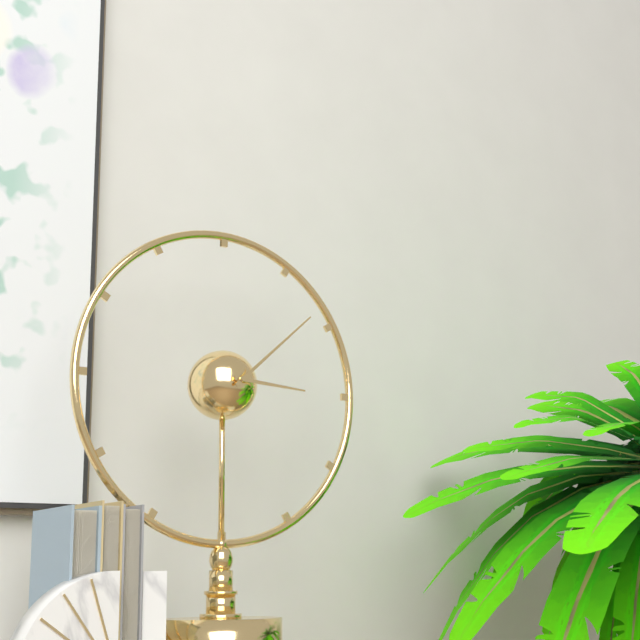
3:08
